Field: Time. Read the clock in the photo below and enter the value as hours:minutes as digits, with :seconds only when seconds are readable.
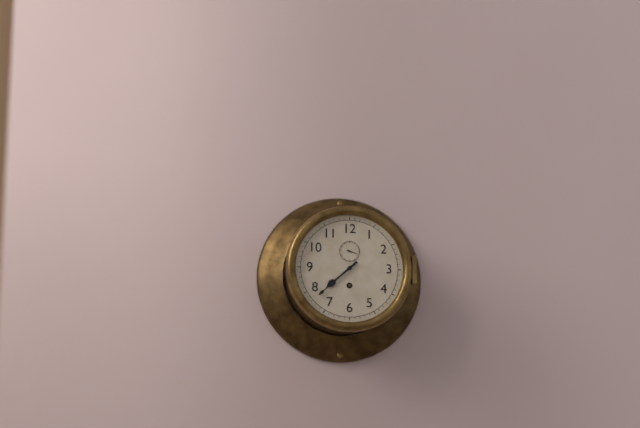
7:38
